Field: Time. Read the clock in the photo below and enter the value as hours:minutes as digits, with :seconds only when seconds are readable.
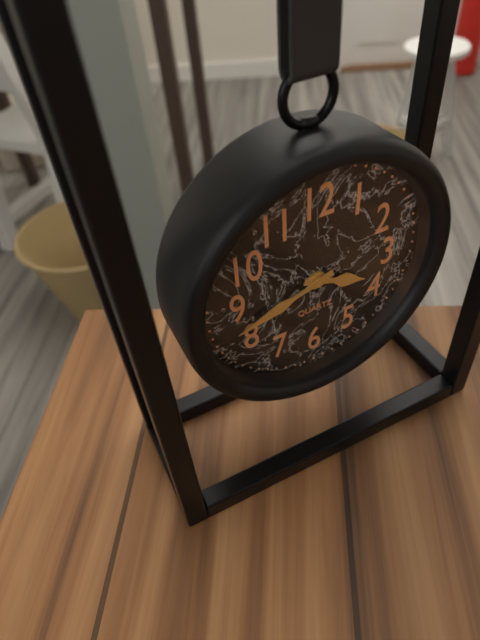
3:42
